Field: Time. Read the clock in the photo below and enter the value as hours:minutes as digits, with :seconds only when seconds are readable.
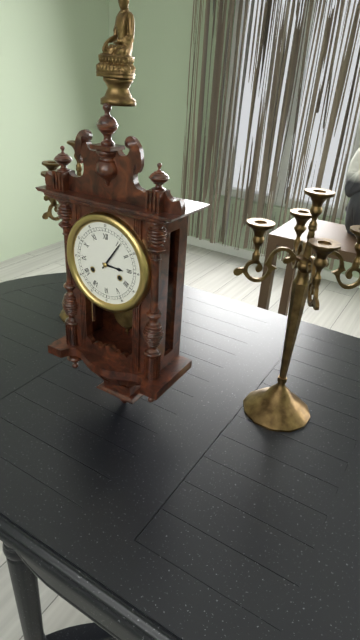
3:06
